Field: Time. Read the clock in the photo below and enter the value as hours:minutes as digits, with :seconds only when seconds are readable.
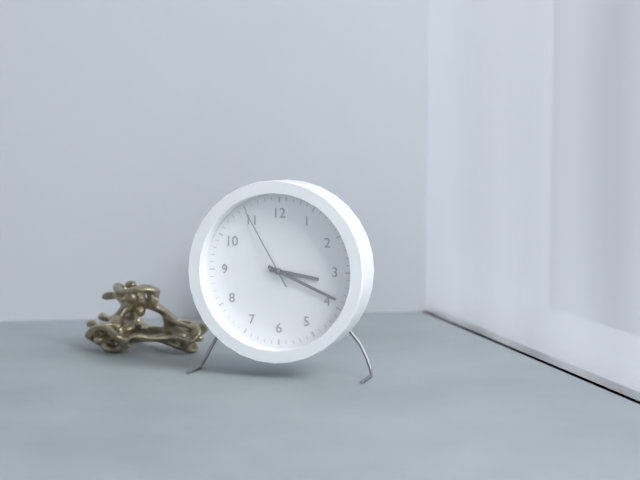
3:19:55
